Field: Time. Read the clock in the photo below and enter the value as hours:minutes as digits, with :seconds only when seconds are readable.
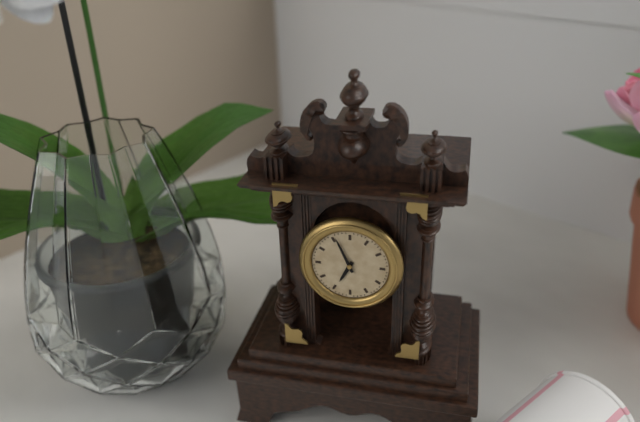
6:56
